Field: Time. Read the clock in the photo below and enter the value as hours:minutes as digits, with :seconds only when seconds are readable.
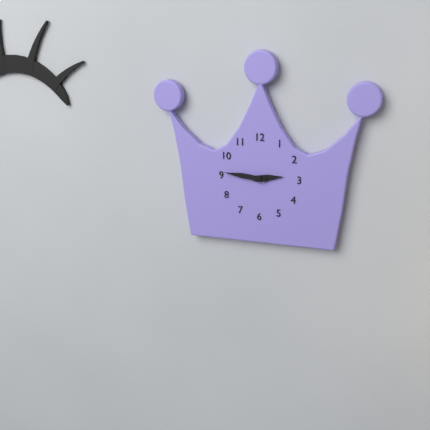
2:46
